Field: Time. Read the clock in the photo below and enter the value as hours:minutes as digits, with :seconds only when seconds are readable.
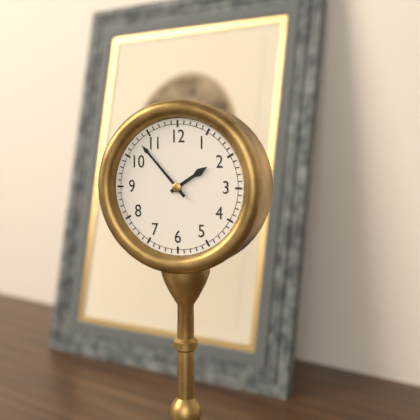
1:53
